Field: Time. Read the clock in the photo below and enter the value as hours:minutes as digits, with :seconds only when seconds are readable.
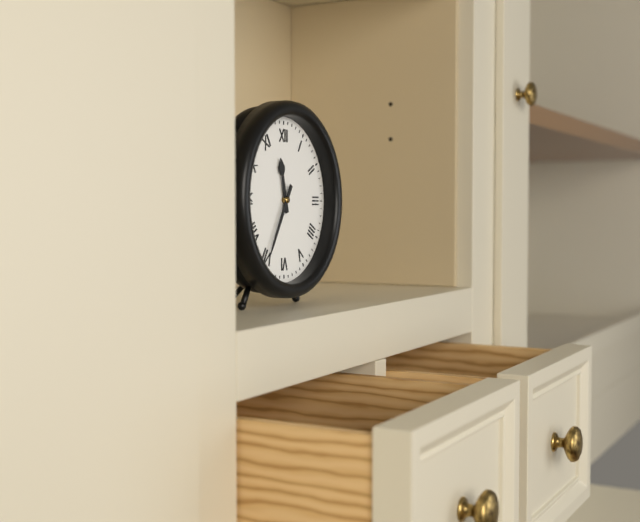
11:35
